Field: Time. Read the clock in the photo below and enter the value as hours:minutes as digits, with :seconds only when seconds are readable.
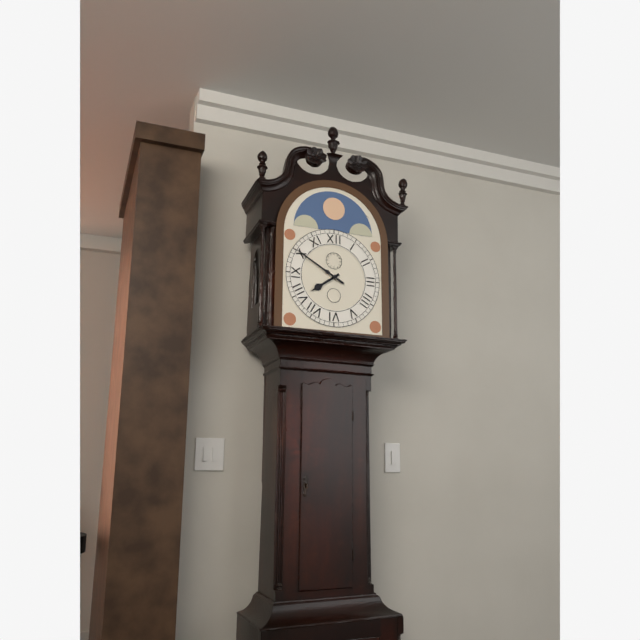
7:50
